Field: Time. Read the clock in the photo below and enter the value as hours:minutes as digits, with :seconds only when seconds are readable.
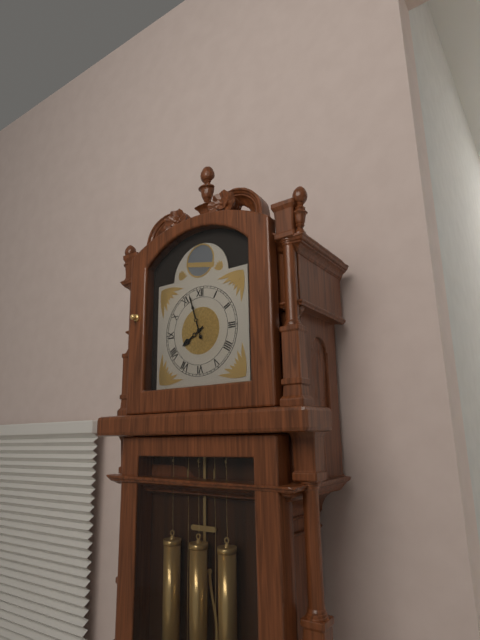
7:57
